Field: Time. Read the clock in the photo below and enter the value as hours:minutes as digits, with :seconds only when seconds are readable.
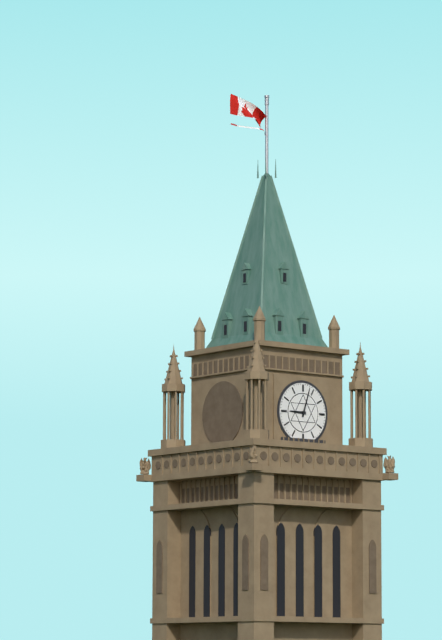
9:03
